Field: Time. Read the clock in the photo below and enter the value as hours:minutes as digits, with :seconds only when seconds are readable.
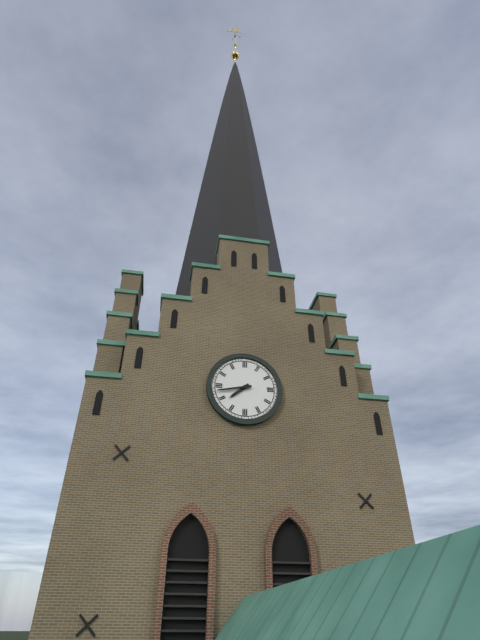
7:43
